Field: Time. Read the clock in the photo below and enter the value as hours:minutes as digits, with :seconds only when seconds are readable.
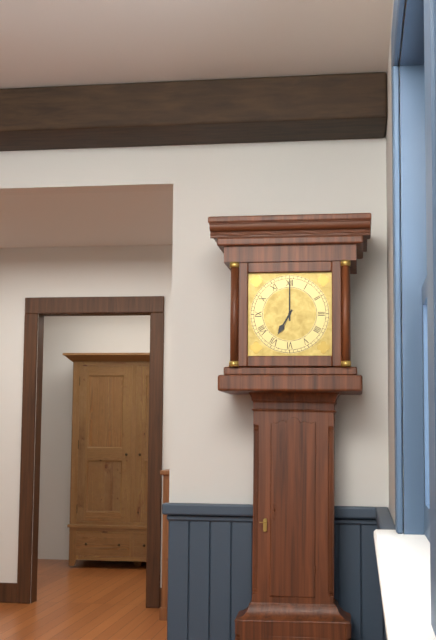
7:00
